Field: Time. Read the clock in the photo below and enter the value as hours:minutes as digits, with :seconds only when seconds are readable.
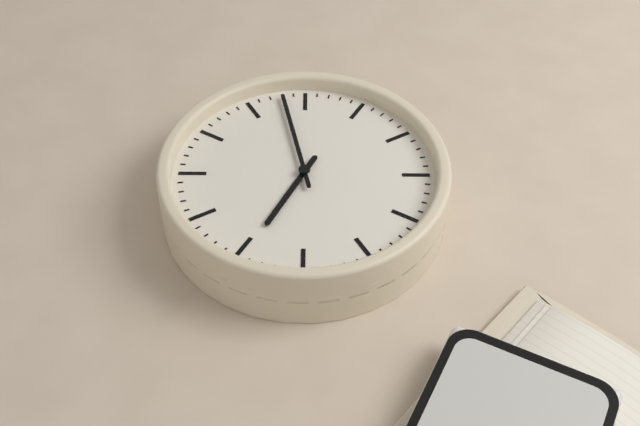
5:53
